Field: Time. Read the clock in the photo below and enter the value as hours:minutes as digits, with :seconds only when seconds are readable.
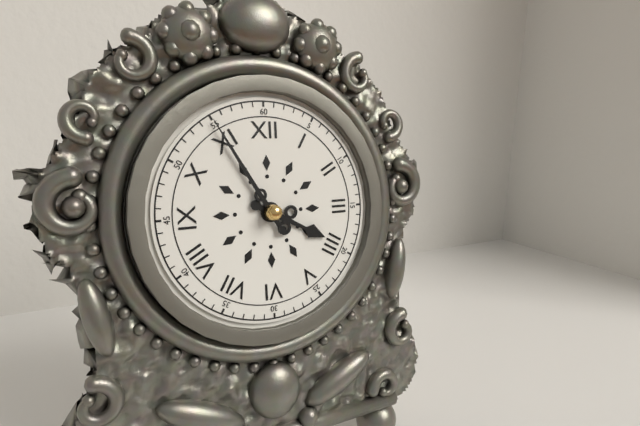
3:55
